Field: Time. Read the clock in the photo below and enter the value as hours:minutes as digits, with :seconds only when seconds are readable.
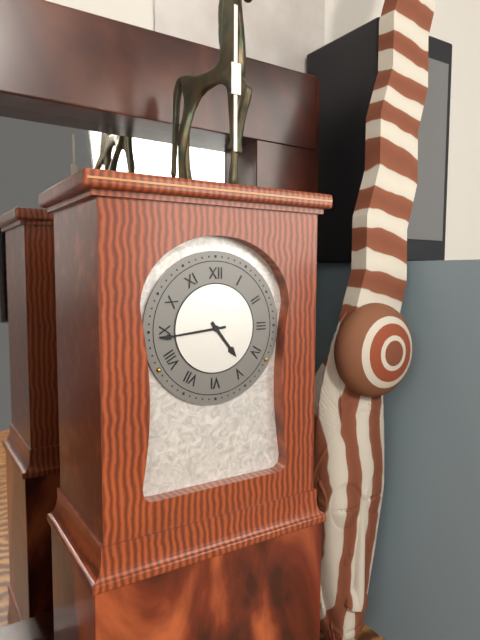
4:44
